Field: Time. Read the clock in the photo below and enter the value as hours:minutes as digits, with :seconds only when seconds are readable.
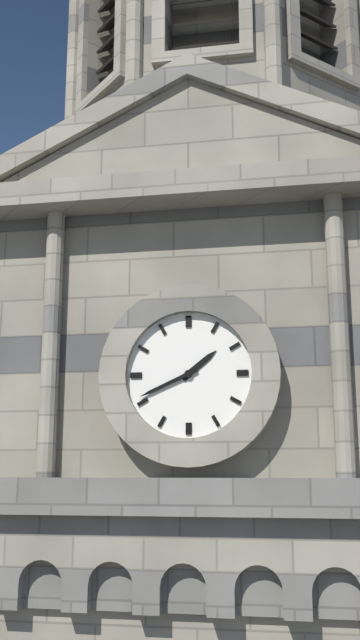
1:41
